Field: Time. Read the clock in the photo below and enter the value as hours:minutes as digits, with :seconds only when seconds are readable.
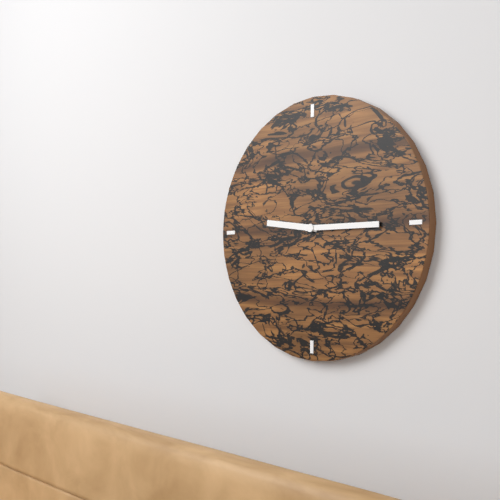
9:15
